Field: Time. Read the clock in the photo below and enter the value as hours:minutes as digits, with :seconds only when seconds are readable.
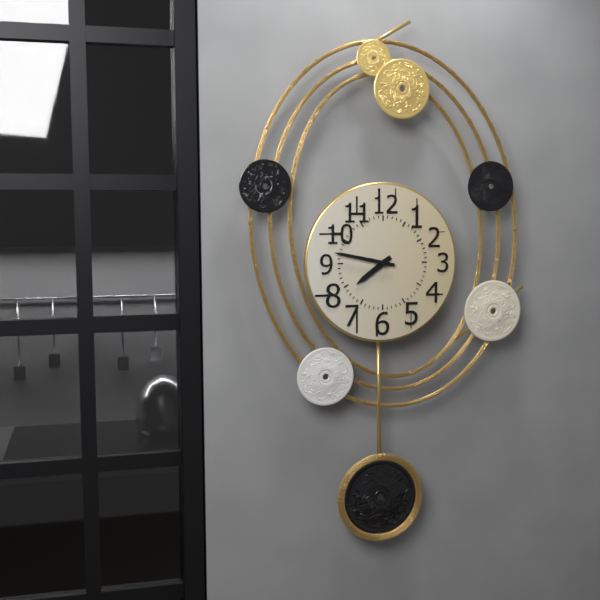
7:47
